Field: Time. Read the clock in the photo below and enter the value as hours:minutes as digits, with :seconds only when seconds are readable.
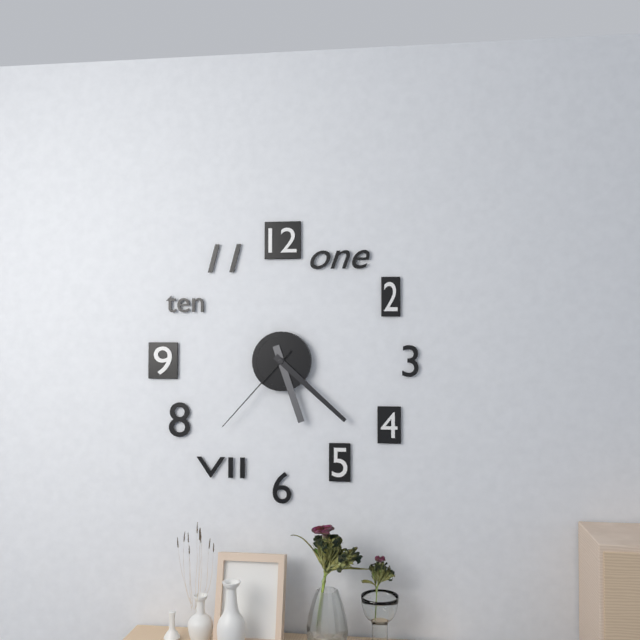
5:22:37
